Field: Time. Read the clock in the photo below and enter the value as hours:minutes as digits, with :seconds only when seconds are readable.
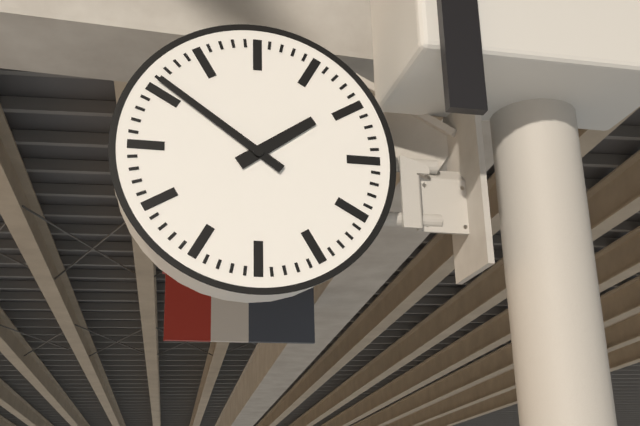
1:51
